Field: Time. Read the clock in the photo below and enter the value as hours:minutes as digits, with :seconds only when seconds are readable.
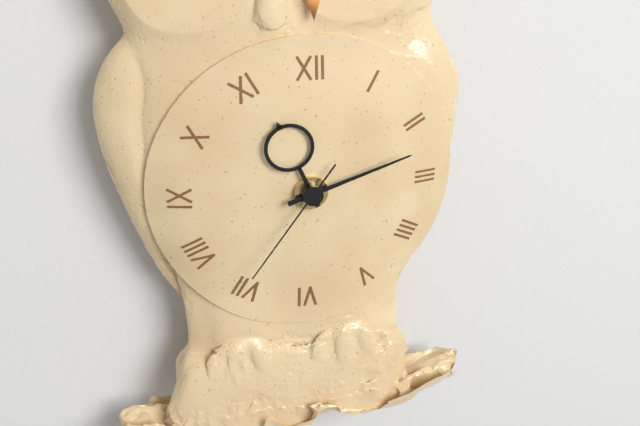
11:12:36
